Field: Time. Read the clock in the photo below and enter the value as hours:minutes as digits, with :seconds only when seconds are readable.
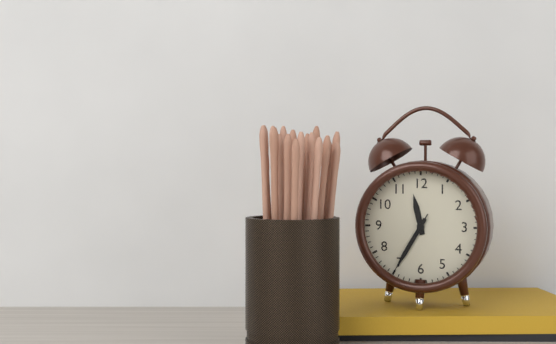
11:35:35
